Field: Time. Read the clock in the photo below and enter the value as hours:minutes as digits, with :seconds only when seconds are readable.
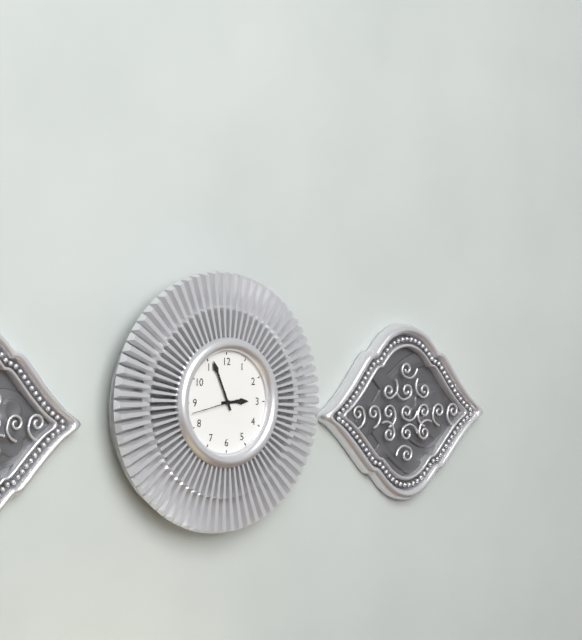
2:56
